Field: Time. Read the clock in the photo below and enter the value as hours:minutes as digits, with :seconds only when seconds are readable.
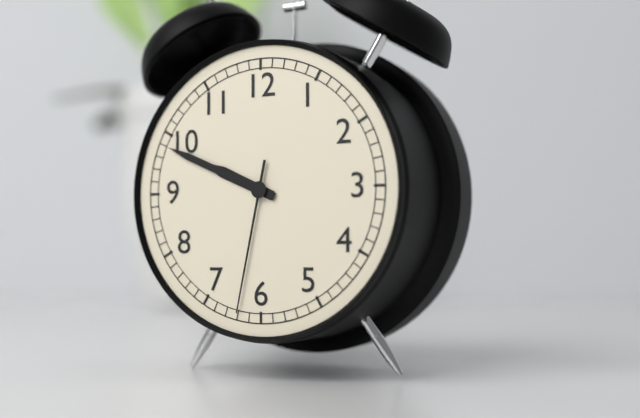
9:49:32
